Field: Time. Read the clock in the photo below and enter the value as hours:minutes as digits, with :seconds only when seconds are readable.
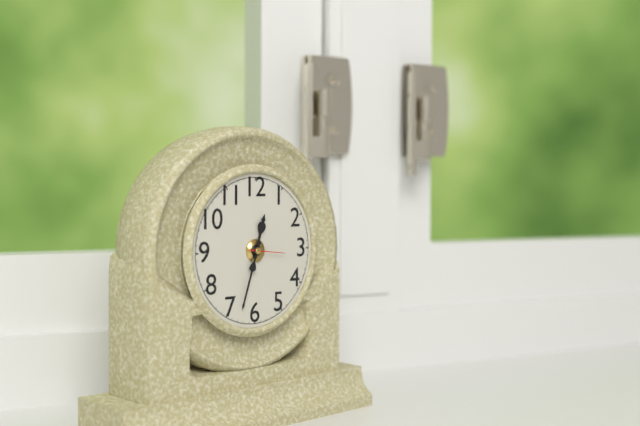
12:33
